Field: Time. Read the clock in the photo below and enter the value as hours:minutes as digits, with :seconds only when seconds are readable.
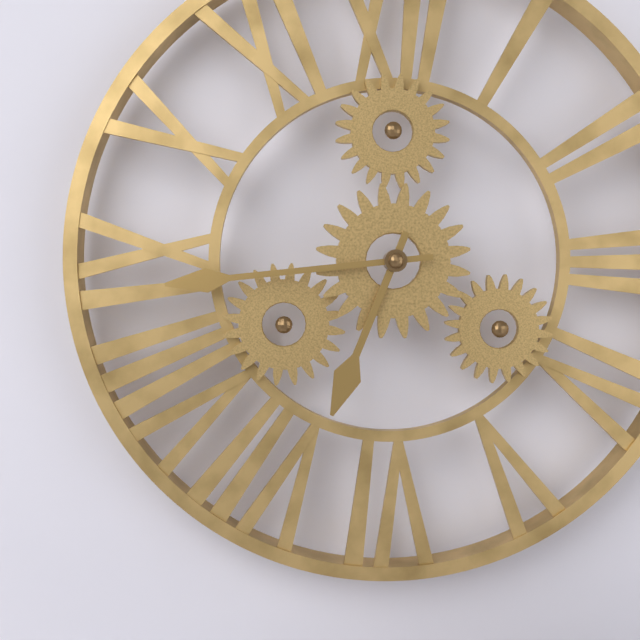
6:44
